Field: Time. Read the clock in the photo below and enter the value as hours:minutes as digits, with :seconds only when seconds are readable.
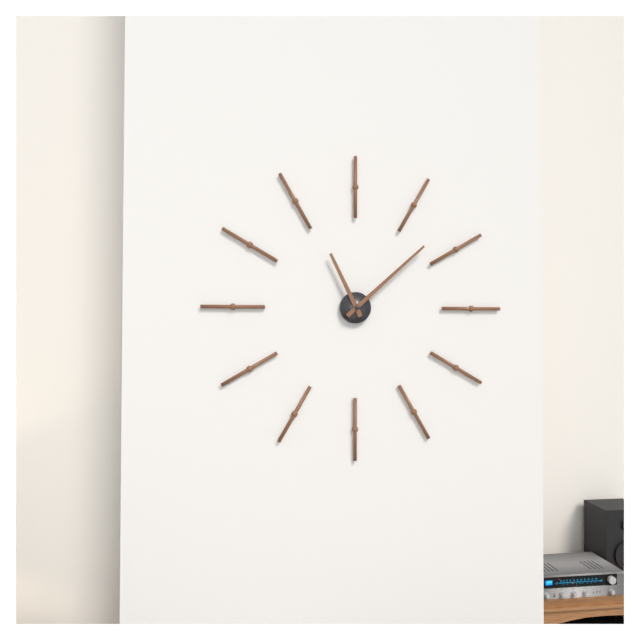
11:08
